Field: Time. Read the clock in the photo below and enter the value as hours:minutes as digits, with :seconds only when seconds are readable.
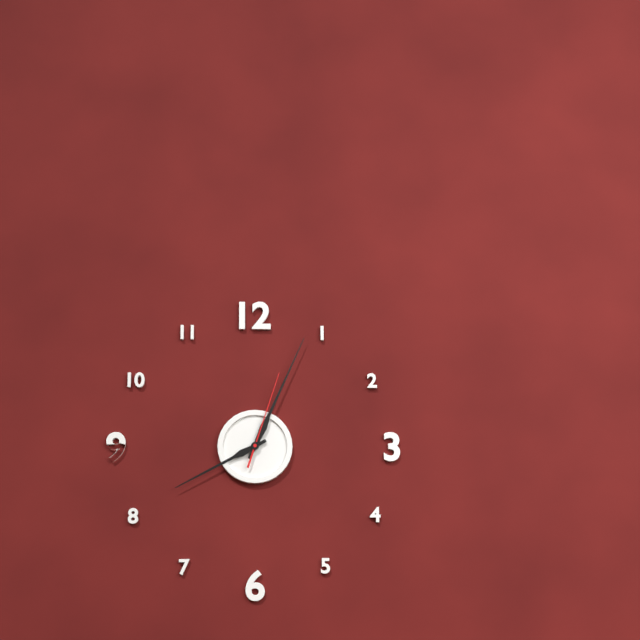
8:04:03
